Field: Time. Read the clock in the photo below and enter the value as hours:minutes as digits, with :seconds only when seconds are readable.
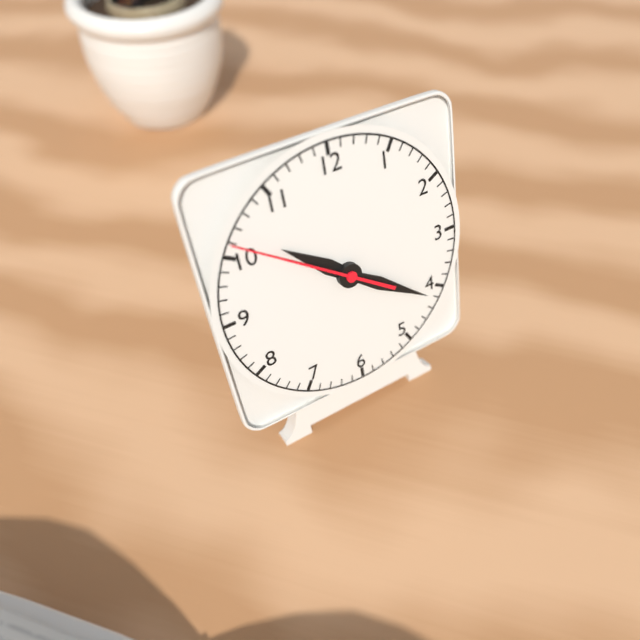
10:21:51
